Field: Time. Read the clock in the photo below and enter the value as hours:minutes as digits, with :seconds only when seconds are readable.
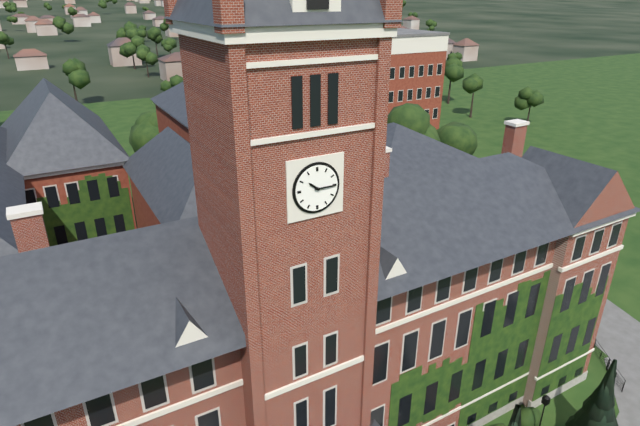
10:15
